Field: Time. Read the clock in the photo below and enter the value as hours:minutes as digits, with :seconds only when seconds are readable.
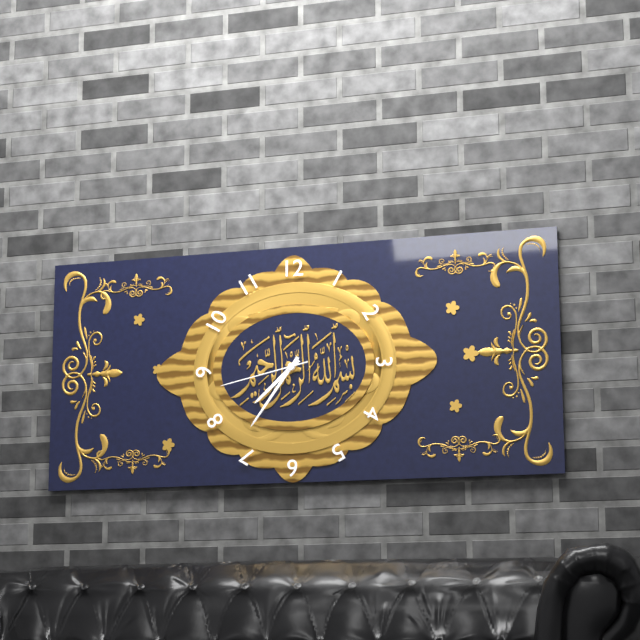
7:36:43
